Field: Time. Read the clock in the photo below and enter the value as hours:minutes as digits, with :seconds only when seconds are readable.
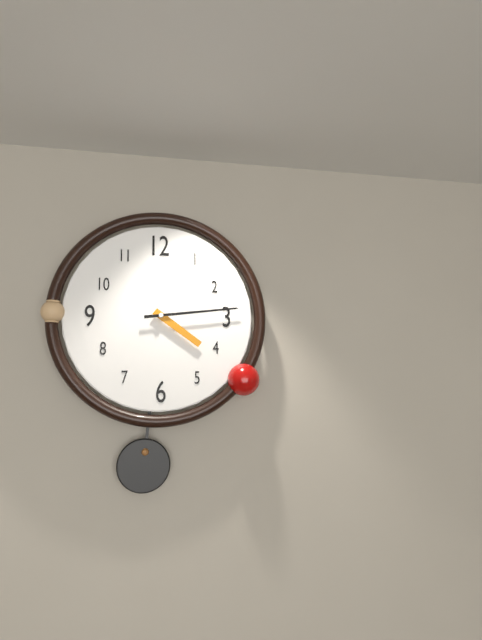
4:14
